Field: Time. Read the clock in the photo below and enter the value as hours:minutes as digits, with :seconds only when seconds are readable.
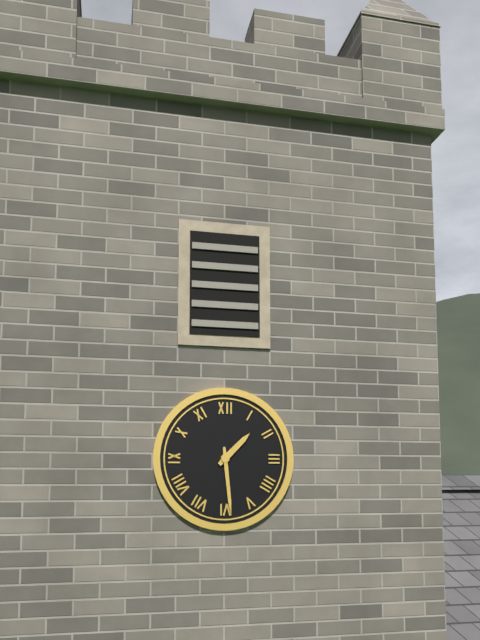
1:29
